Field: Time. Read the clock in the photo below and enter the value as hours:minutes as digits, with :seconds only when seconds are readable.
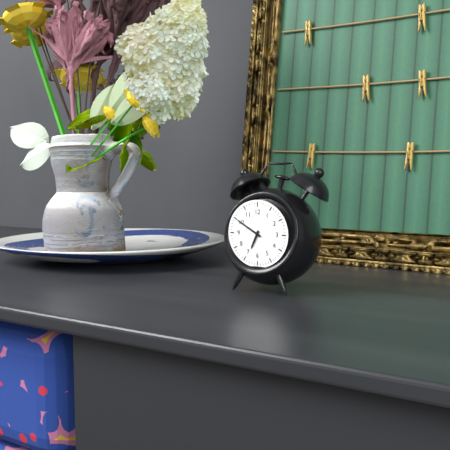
6:50
